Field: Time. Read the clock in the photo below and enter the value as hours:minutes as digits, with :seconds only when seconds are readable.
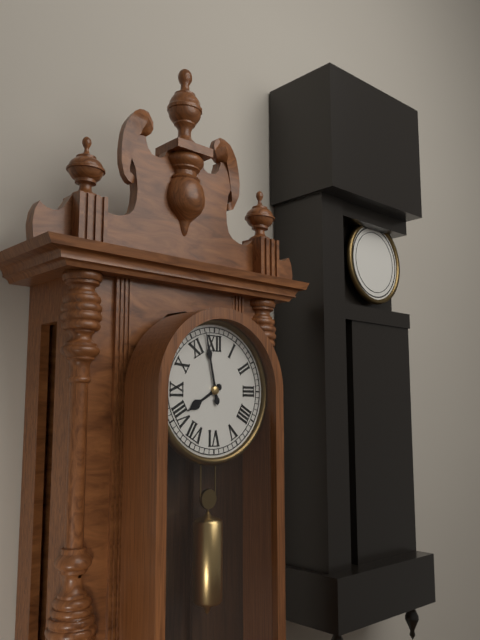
7:58
